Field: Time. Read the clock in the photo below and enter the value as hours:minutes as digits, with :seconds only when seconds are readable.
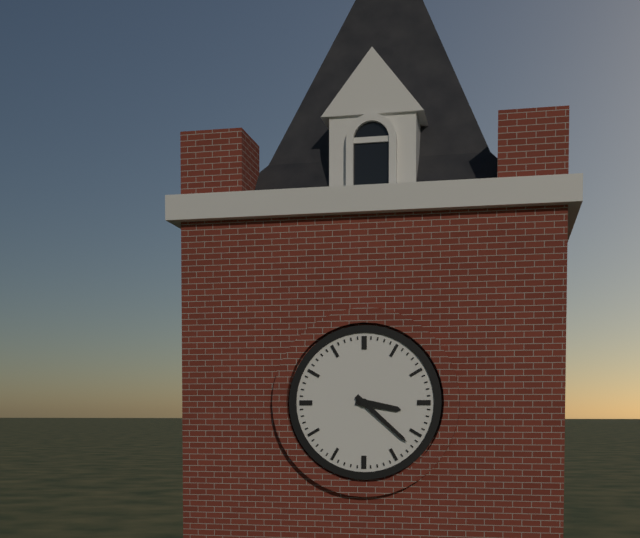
3:22
